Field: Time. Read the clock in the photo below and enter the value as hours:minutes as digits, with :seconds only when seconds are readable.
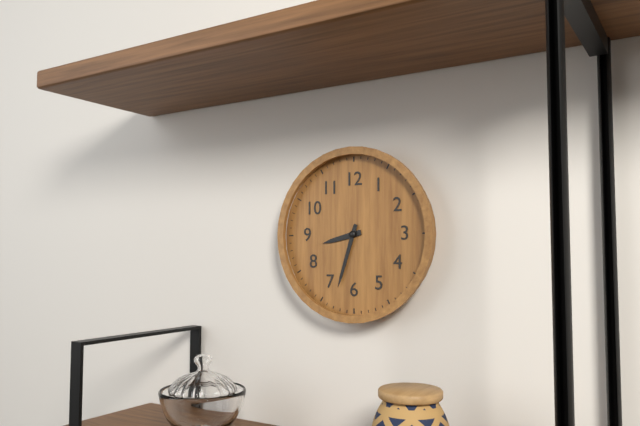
8:33
